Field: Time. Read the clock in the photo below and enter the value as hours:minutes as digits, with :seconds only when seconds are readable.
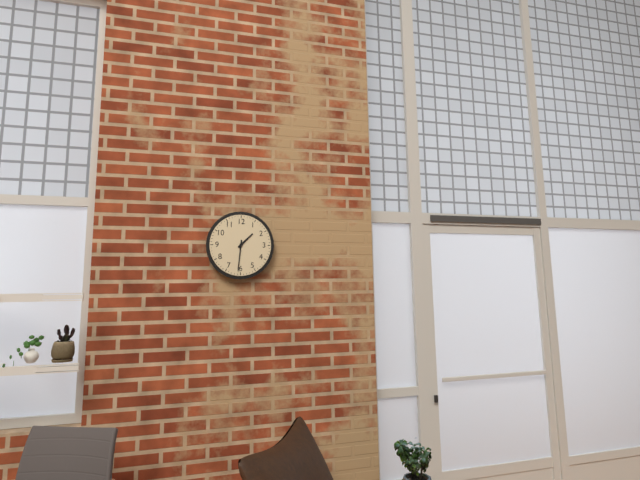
1:31
